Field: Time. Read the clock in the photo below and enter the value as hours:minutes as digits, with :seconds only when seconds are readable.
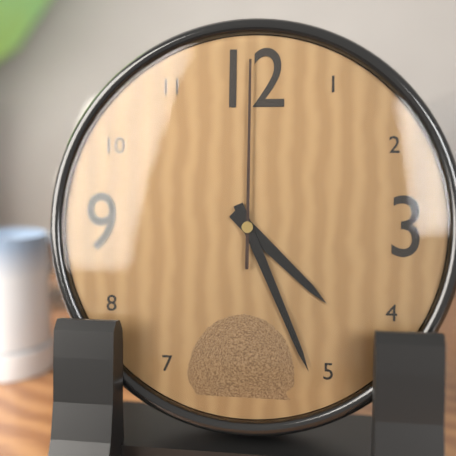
4:26:00
